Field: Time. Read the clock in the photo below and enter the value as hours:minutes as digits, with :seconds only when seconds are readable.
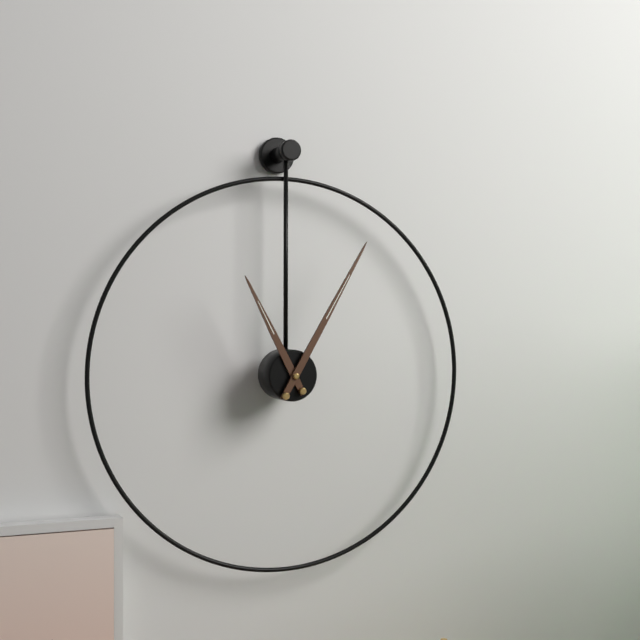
11:05
